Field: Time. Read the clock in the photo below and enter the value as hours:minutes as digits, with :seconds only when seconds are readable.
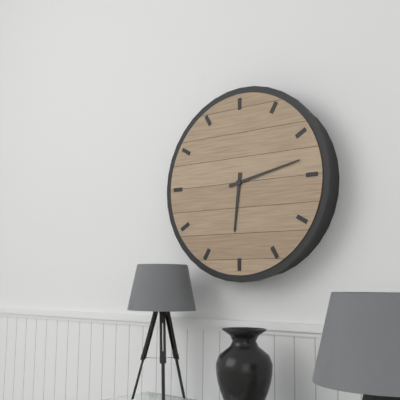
6:13
